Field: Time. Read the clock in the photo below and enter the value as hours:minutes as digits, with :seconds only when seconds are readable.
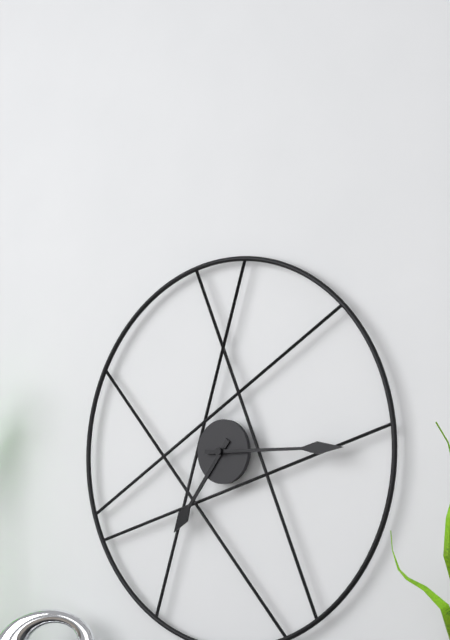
7:15
